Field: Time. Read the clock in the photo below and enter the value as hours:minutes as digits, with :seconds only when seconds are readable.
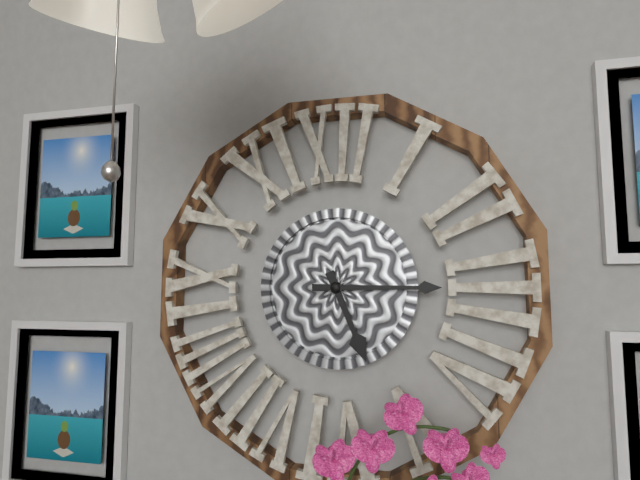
5:15
